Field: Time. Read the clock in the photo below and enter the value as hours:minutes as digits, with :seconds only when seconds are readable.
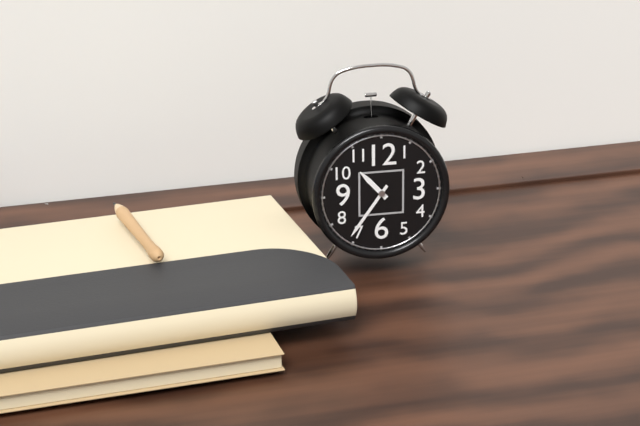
10:36
